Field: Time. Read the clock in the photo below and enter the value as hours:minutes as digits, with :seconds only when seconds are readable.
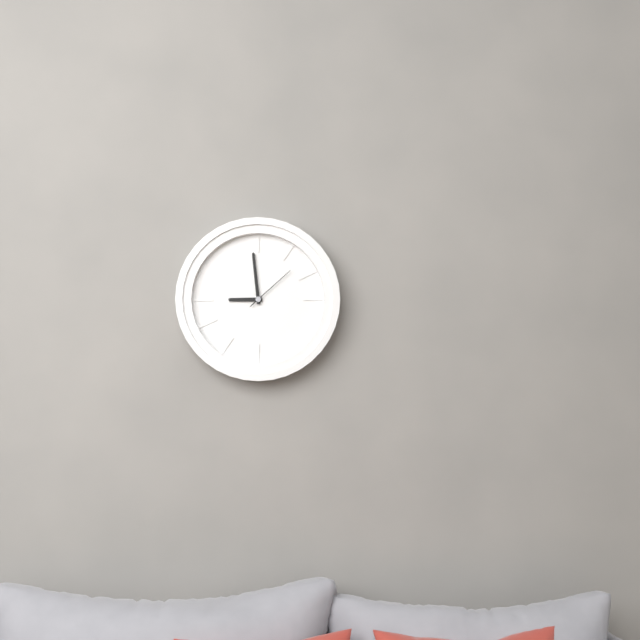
8:59:08
